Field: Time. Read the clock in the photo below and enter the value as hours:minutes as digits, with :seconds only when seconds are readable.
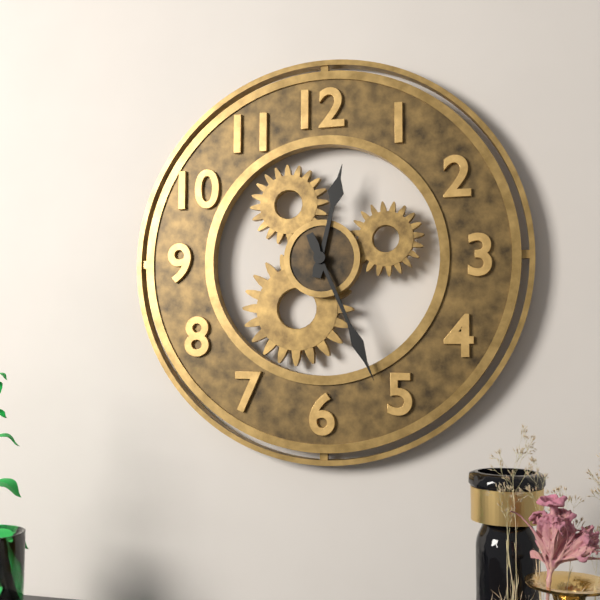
12:26
